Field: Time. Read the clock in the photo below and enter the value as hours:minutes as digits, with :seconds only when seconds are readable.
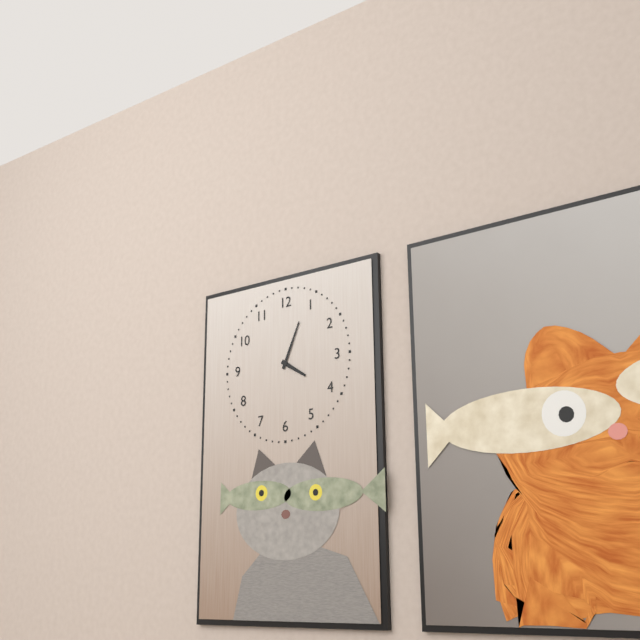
4:04
